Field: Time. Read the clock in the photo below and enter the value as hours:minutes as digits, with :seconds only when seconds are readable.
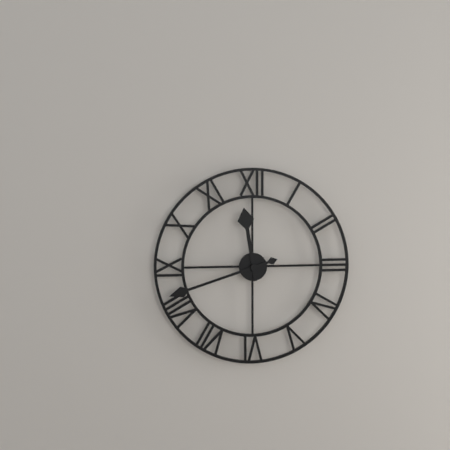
11:42
